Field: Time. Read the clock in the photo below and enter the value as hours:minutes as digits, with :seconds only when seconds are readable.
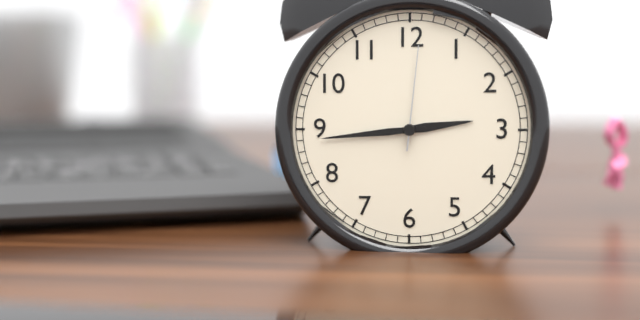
2:44:01
